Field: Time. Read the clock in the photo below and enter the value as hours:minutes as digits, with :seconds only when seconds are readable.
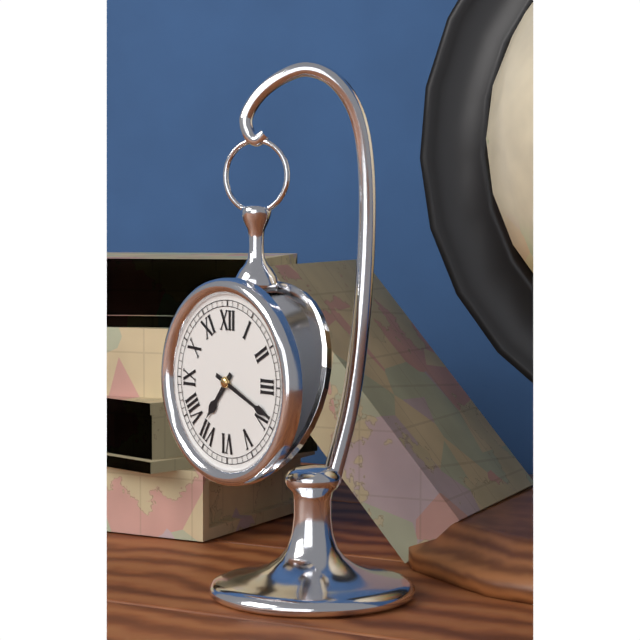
7:19
